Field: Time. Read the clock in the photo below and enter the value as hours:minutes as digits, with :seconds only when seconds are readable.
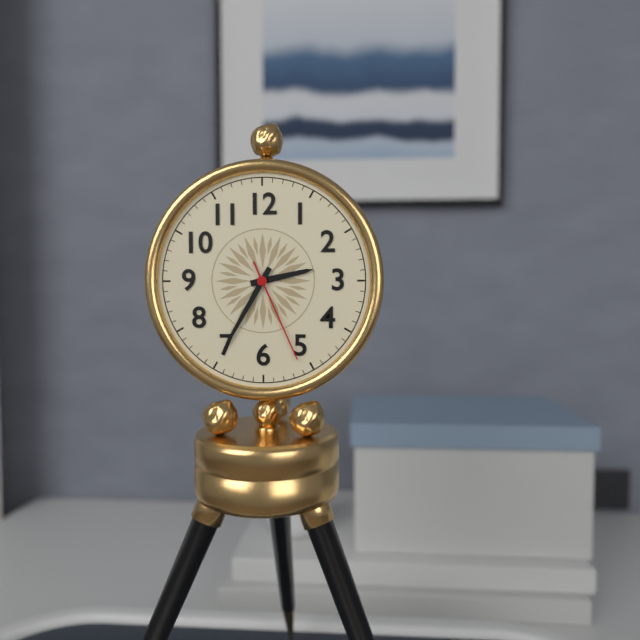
2:35:26
